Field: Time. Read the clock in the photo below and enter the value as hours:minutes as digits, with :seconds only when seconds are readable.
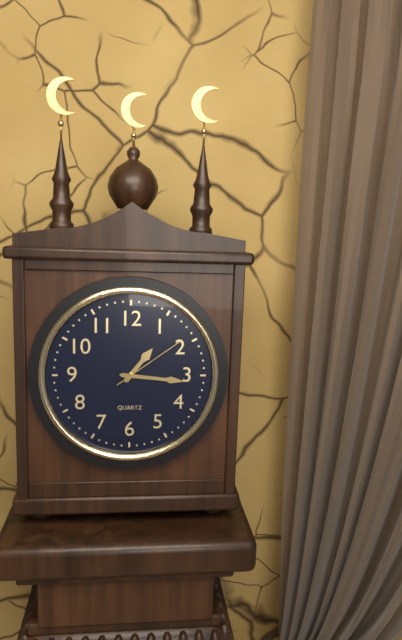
1:16:09
